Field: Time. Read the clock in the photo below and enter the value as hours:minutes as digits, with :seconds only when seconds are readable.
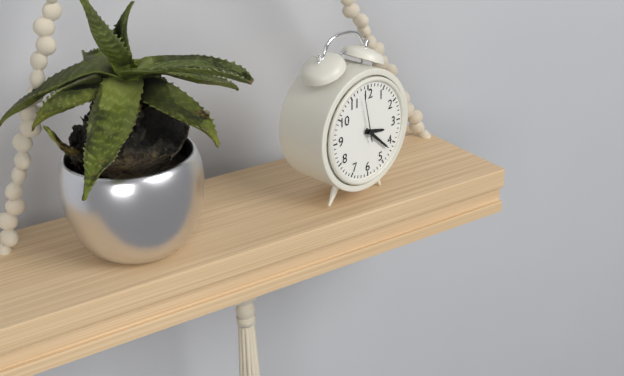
3:22
